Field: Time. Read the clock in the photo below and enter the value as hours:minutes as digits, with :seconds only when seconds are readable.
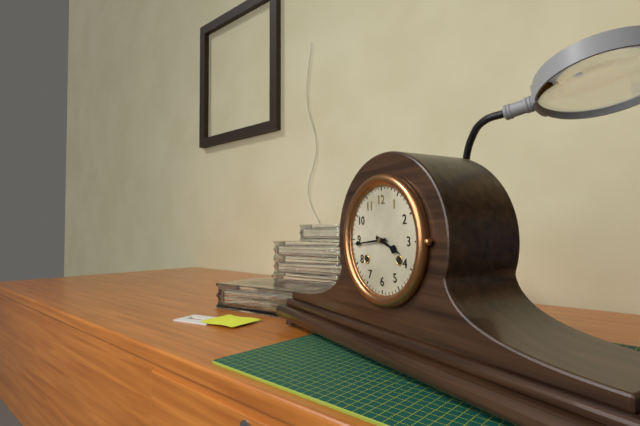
3:44
